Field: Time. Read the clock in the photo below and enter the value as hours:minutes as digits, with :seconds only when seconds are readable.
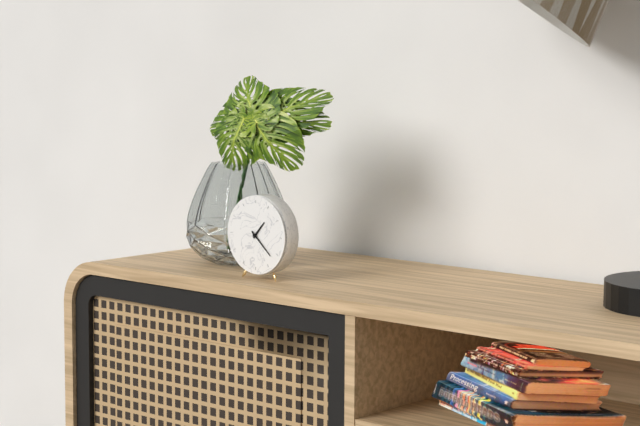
1:22
